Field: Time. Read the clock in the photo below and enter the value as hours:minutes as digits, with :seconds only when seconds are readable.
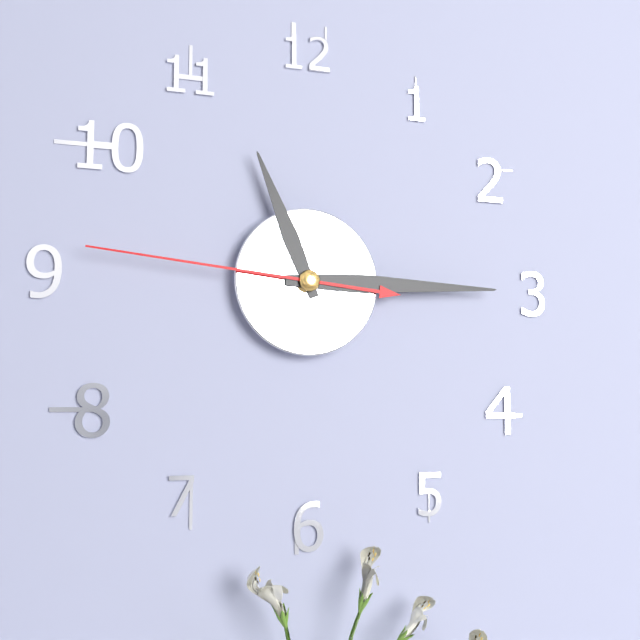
11:15:46
